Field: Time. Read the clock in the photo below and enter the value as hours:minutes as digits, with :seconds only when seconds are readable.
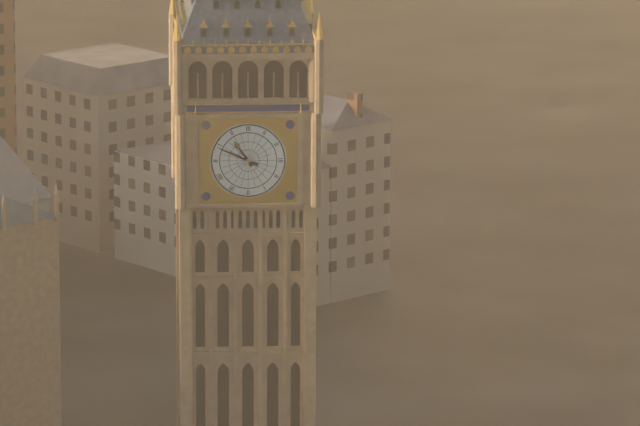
10:49
